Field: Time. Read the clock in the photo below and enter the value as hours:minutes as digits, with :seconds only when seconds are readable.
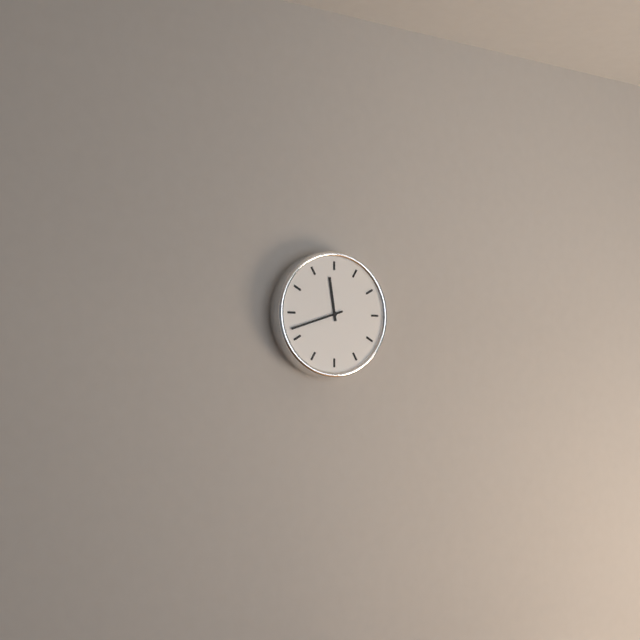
11:42
